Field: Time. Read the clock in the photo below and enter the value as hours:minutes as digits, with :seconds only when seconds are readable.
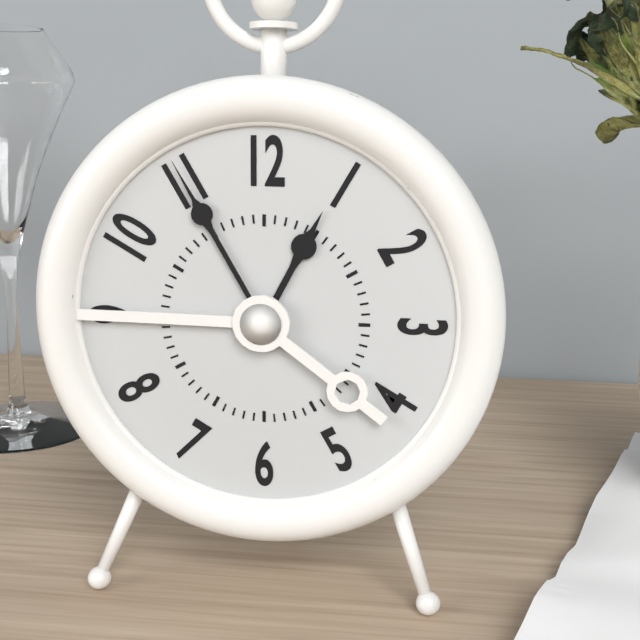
12:55
